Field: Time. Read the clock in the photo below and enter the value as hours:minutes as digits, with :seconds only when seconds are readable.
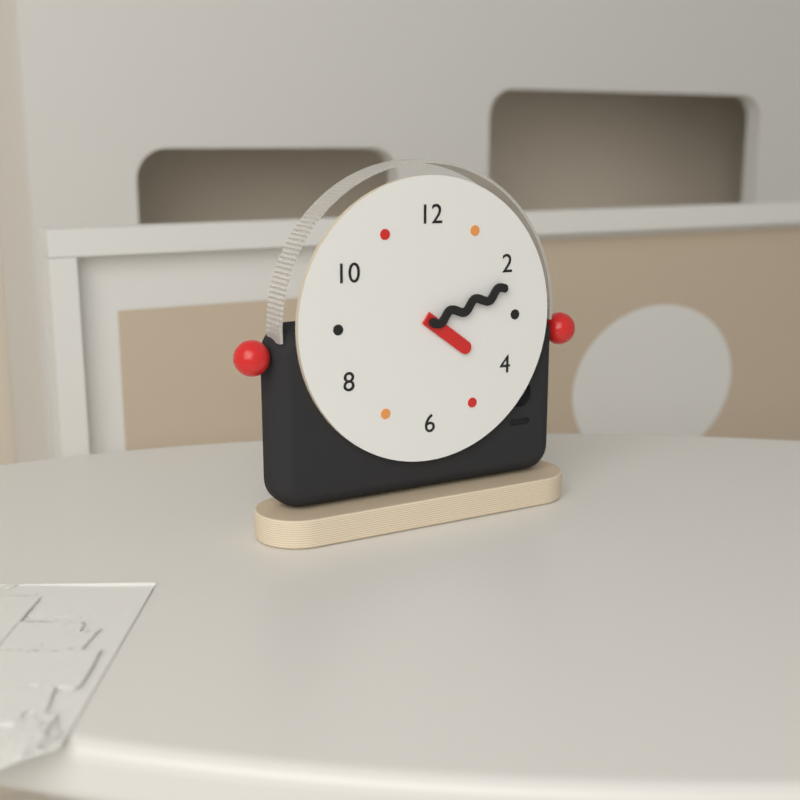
4:12
